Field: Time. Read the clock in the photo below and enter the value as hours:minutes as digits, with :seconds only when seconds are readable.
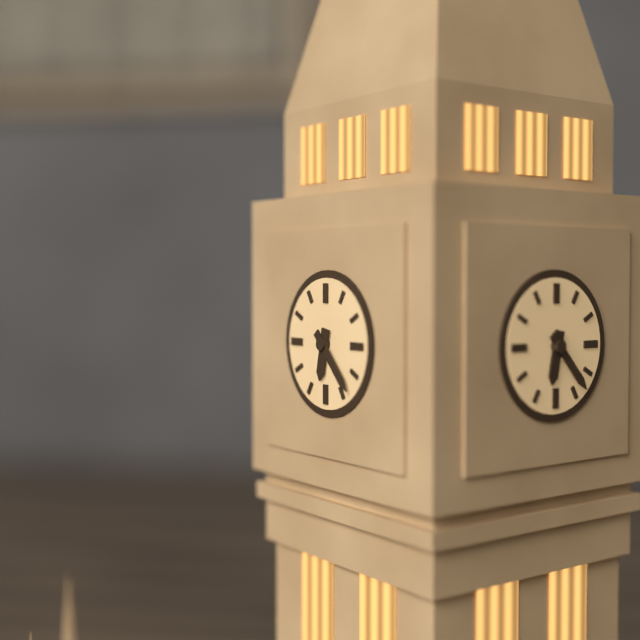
6:23
